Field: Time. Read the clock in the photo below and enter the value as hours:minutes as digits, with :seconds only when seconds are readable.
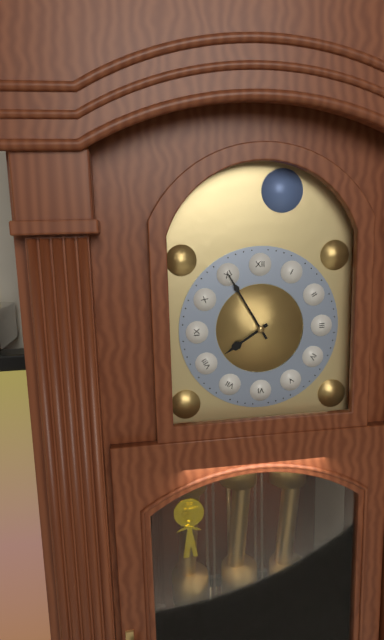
7:55
